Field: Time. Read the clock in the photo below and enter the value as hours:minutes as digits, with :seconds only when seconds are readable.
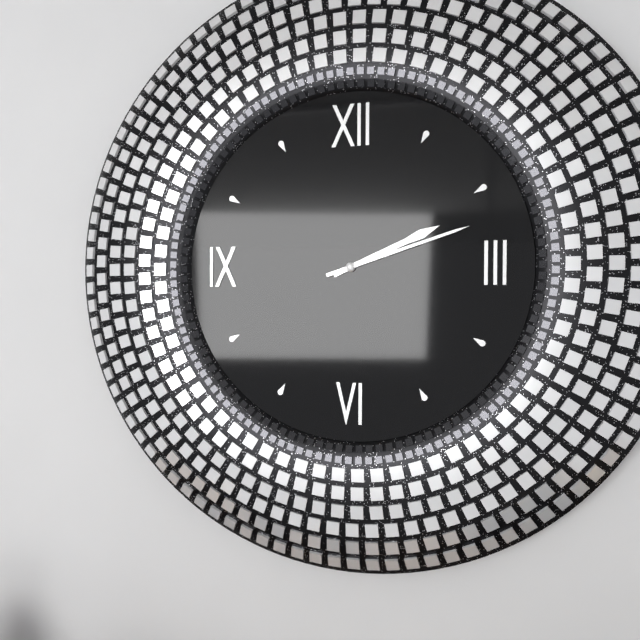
2:12
